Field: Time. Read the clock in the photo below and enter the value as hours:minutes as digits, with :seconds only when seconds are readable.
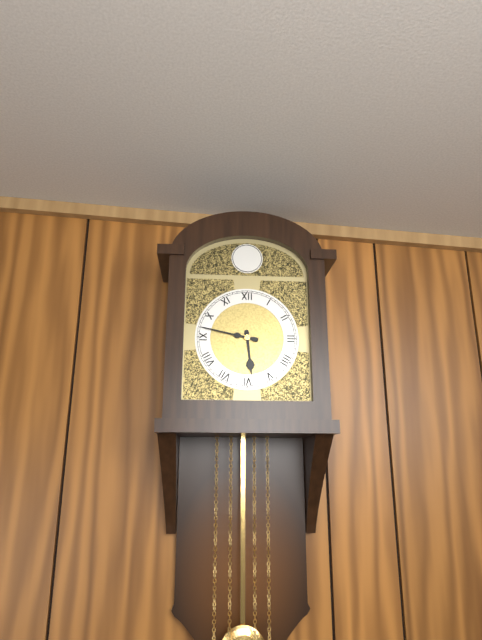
5:47
